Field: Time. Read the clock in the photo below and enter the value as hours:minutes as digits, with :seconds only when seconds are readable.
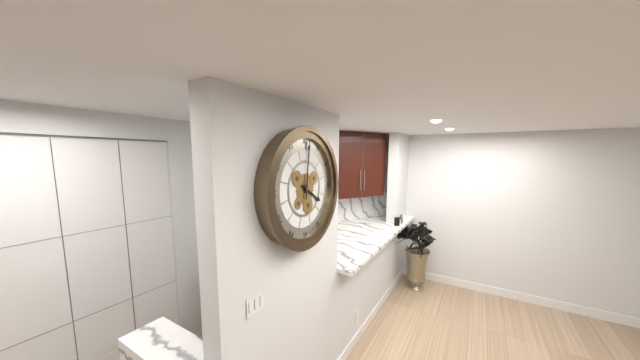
4:01
